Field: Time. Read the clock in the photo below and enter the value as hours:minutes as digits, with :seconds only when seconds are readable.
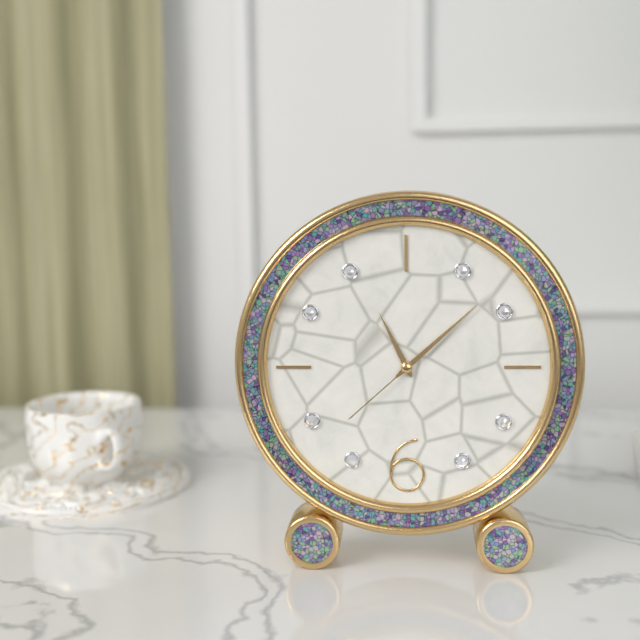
11:08:38
